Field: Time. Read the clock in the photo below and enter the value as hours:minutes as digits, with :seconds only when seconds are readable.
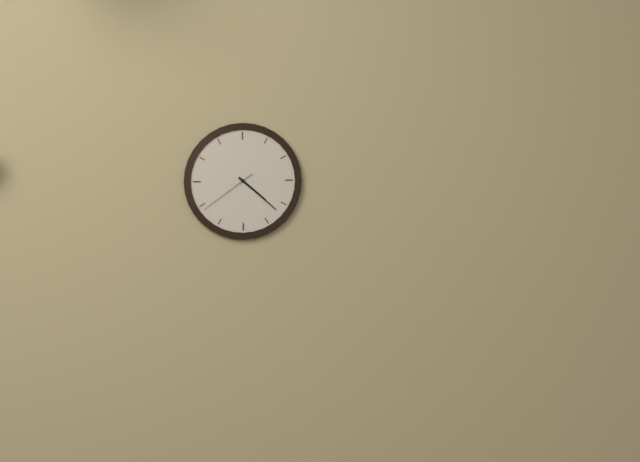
4:22:39
